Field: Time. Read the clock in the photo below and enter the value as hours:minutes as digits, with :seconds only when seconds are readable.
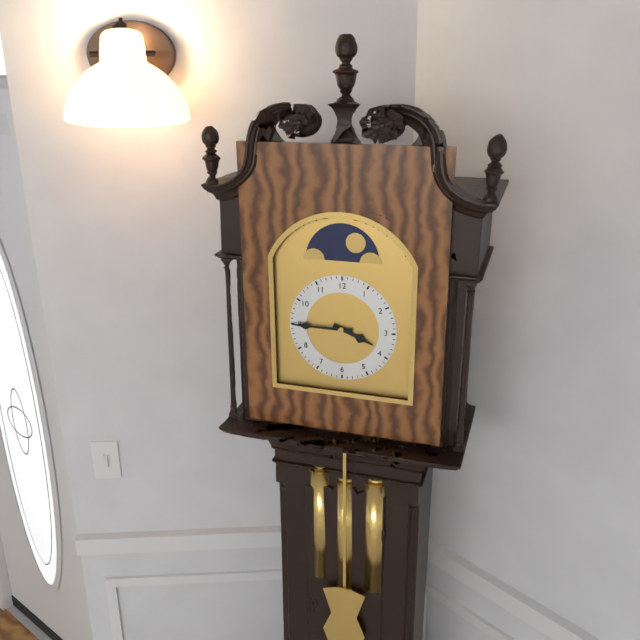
3:45
